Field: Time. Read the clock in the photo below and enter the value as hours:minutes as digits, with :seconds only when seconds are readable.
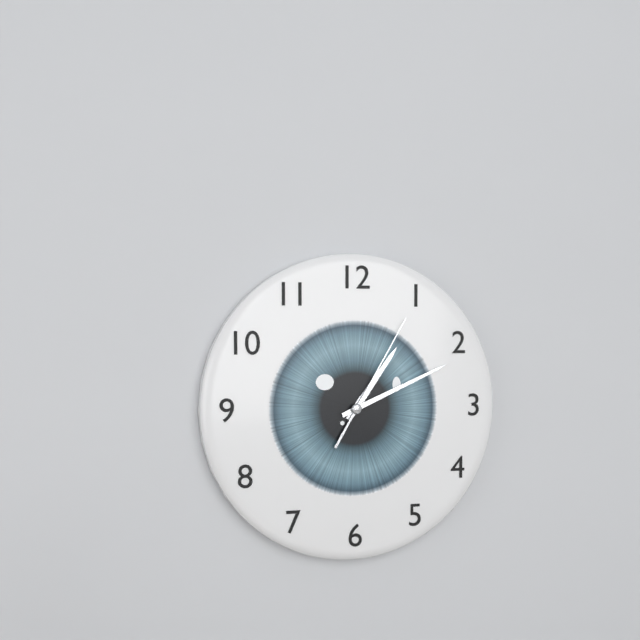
1:11:05
